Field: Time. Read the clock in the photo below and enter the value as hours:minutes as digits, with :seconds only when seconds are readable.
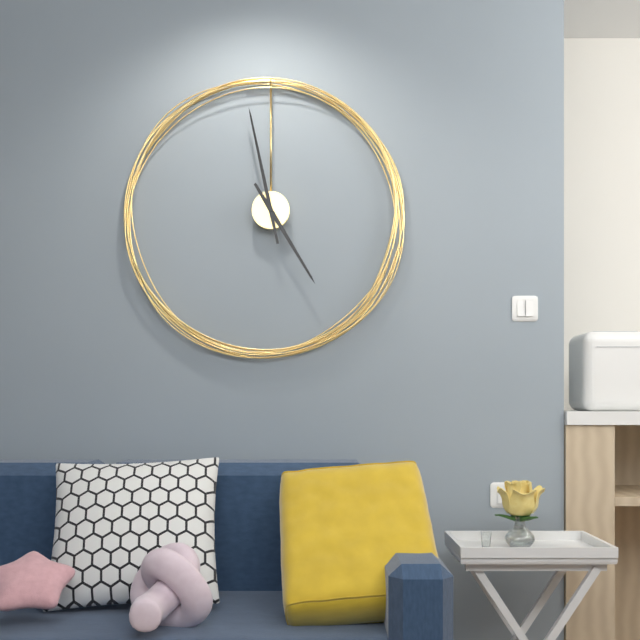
4:58
